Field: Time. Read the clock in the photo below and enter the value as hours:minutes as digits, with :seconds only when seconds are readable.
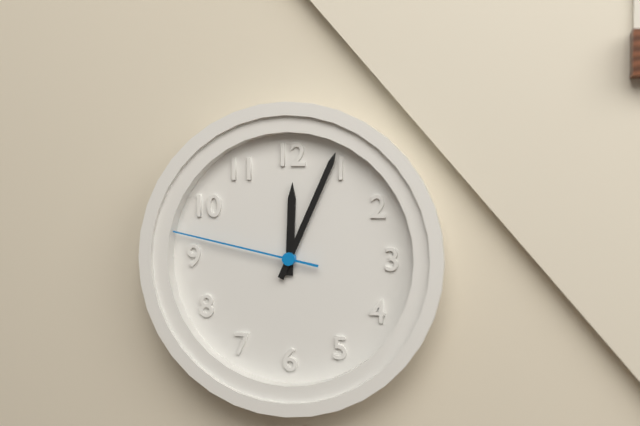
12:04:47
